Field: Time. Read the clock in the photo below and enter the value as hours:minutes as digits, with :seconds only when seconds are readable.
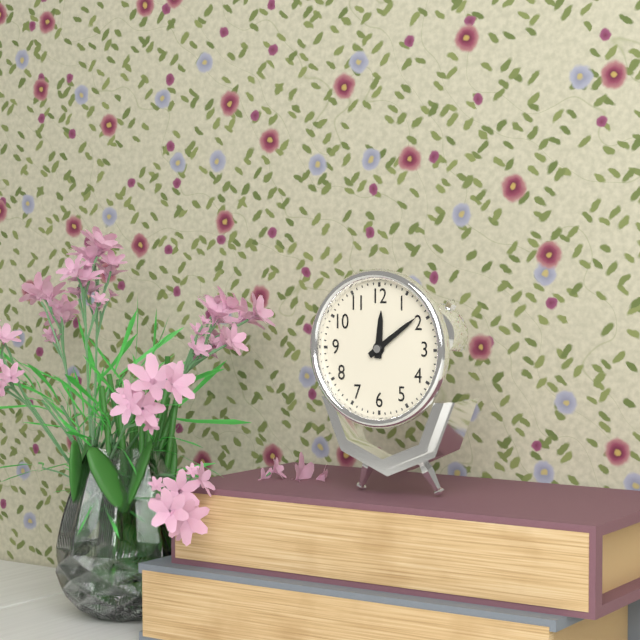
12:09
